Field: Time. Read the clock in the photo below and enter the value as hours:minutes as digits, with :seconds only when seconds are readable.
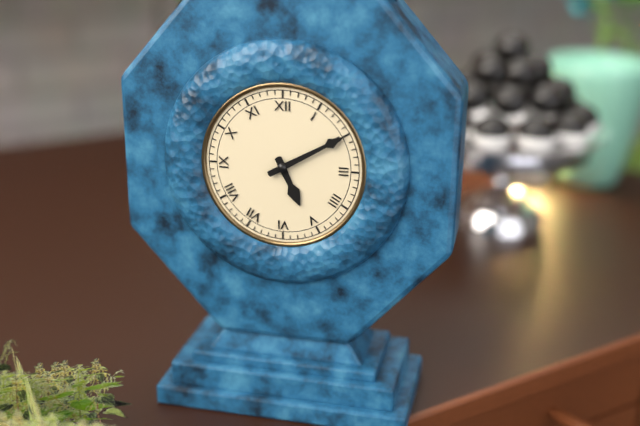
5:10
